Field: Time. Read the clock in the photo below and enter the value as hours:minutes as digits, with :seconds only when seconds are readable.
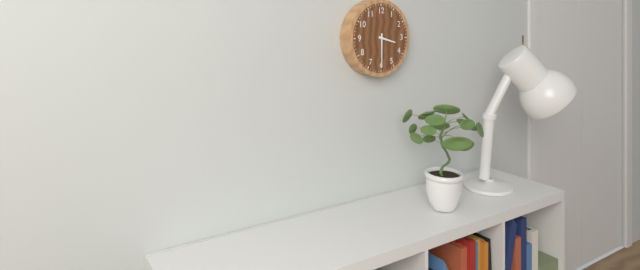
3:30
